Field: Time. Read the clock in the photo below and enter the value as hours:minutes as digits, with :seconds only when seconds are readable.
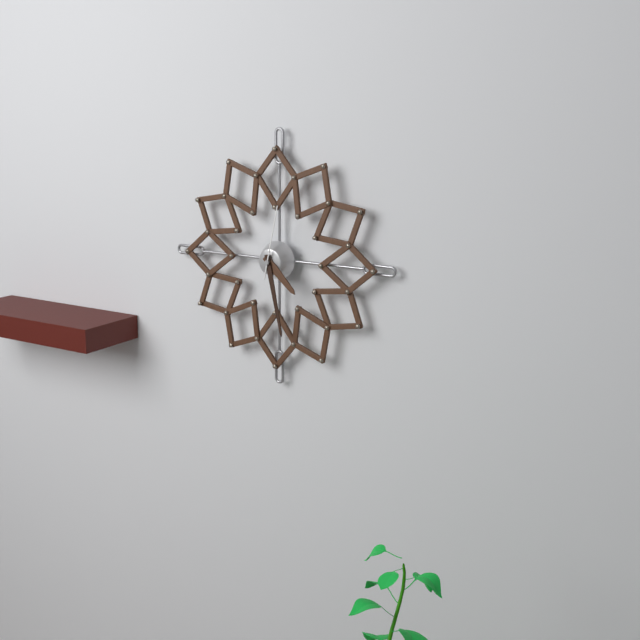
4:28:02
